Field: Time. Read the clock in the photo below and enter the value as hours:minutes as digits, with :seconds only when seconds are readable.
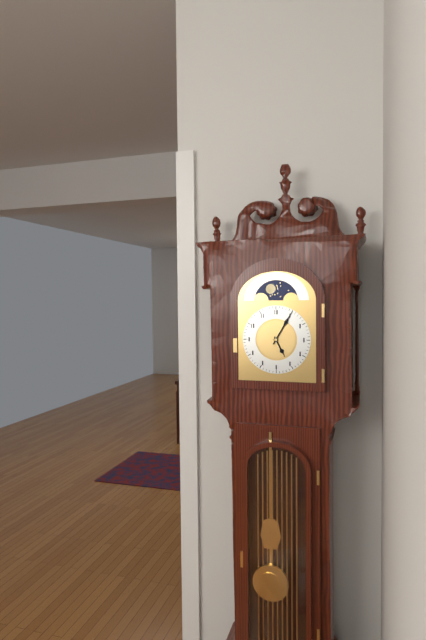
5:05
